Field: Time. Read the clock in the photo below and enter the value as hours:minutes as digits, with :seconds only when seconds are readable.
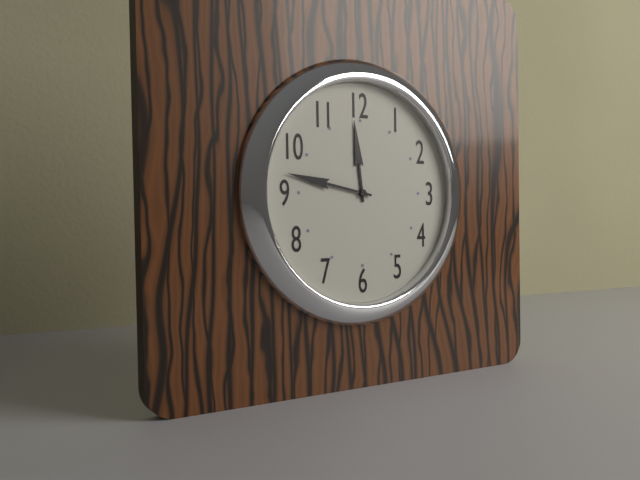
11:47
